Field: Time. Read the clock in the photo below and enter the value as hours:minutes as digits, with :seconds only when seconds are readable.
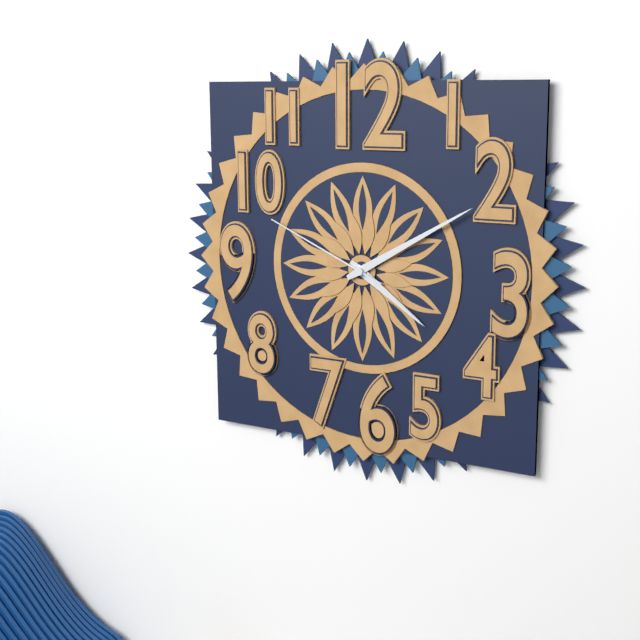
4:10:49
